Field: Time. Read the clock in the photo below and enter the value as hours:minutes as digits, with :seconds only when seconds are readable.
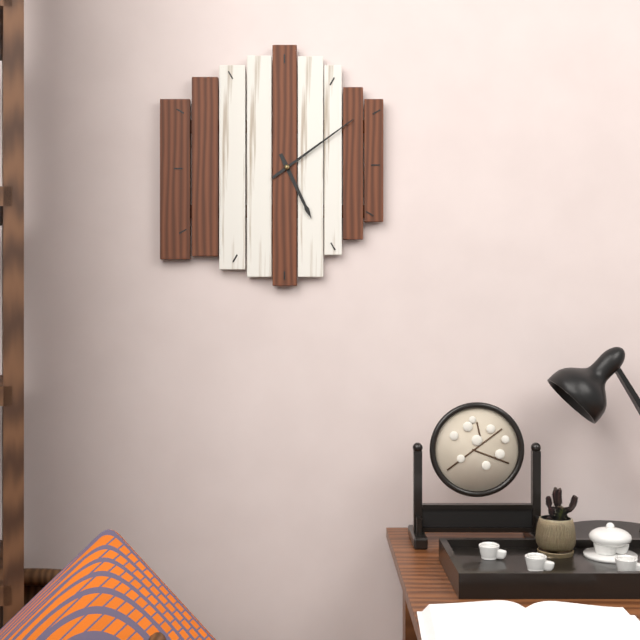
5:09
